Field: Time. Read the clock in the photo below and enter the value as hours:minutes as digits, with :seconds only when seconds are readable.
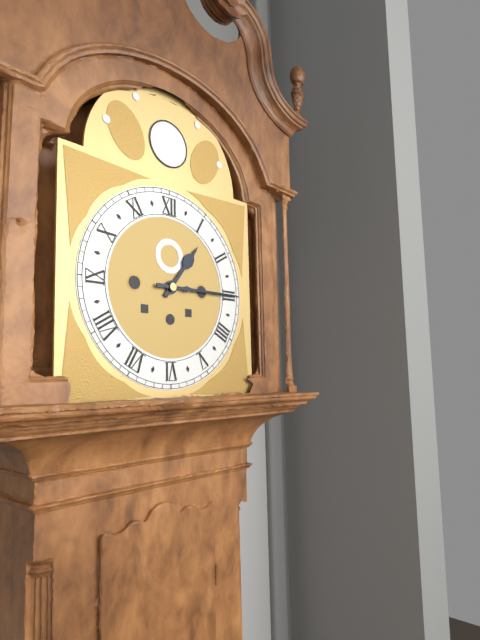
1:15
